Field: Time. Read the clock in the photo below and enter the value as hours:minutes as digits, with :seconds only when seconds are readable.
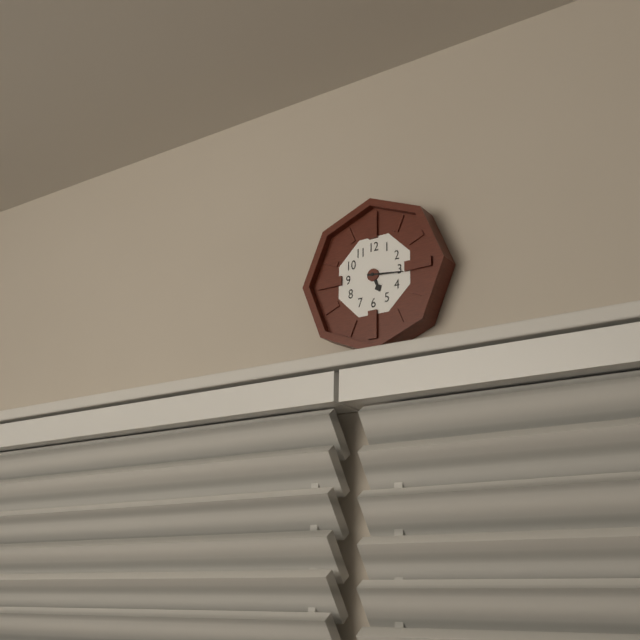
5:16
